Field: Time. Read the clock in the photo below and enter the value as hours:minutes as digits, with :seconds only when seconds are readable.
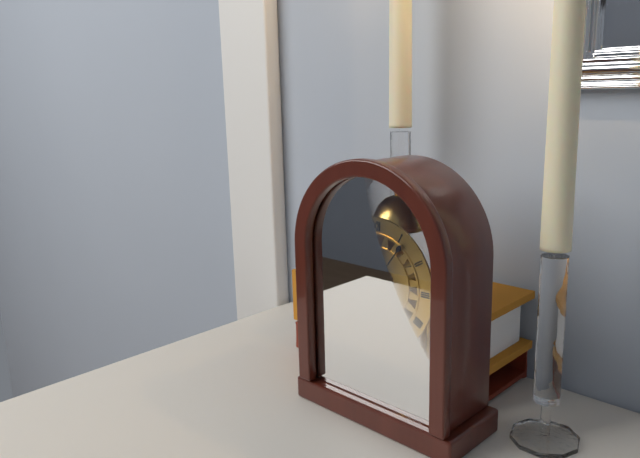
12:06
